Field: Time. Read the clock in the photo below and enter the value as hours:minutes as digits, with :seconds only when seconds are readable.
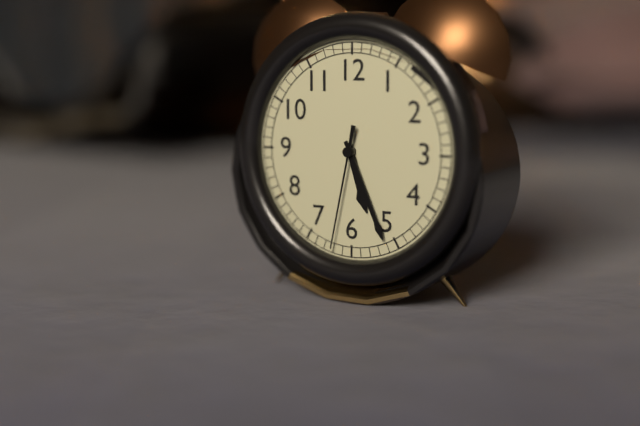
5:26:32
